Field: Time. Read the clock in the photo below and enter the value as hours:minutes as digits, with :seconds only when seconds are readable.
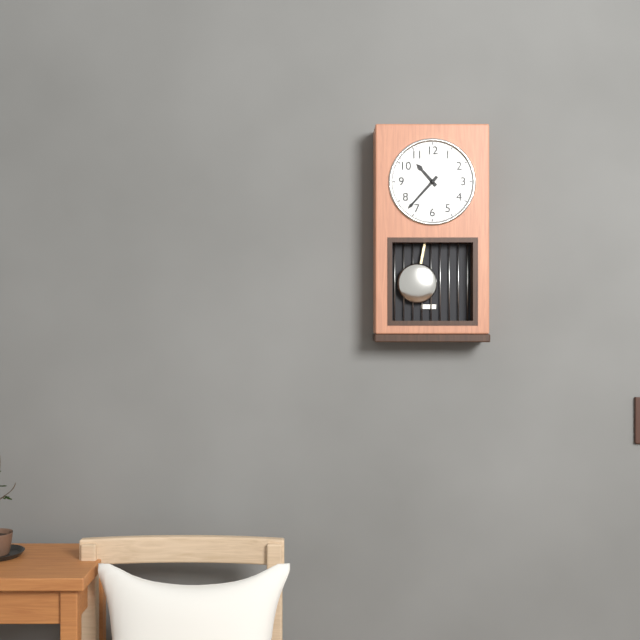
10:37
